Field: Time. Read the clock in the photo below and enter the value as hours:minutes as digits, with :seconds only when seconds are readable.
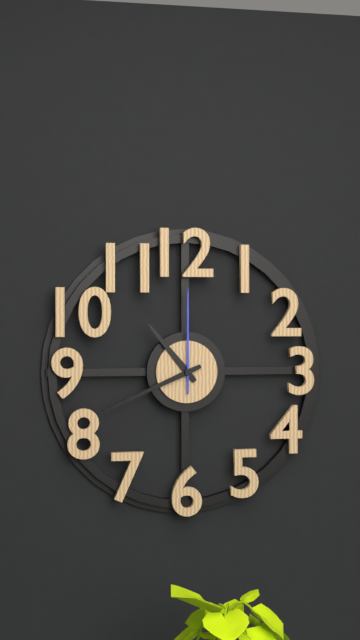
10:41:00
